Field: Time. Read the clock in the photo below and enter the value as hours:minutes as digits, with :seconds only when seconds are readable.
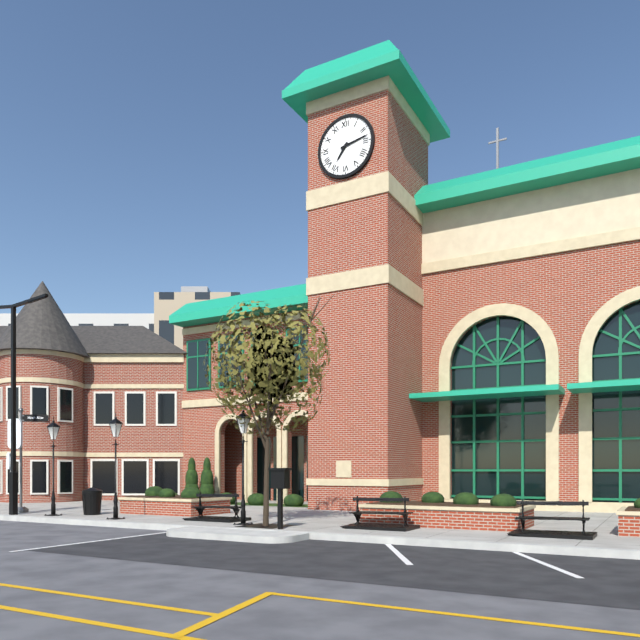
7:13
